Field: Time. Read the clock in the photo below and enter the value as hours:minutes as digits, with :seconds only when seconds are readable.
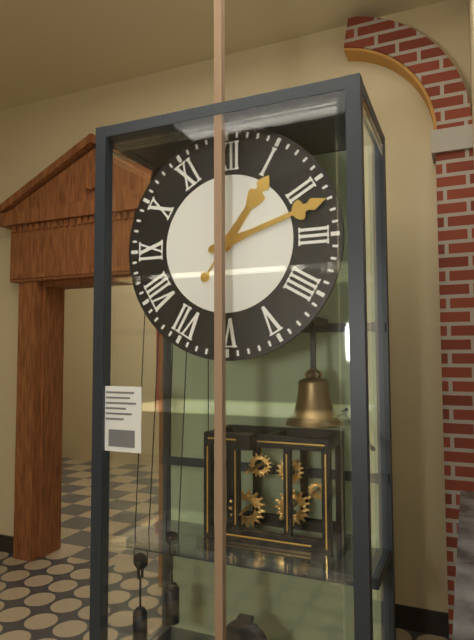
1:12
